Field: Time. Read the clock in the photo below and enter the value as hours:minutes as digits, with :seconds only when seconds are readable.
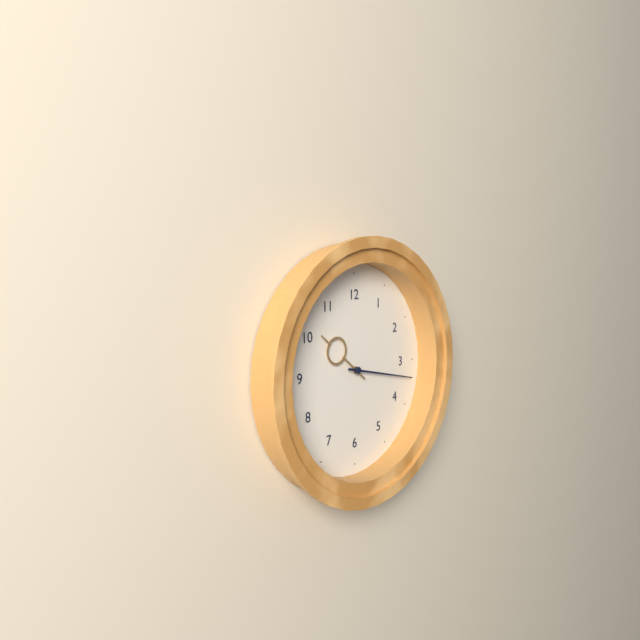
10:17
